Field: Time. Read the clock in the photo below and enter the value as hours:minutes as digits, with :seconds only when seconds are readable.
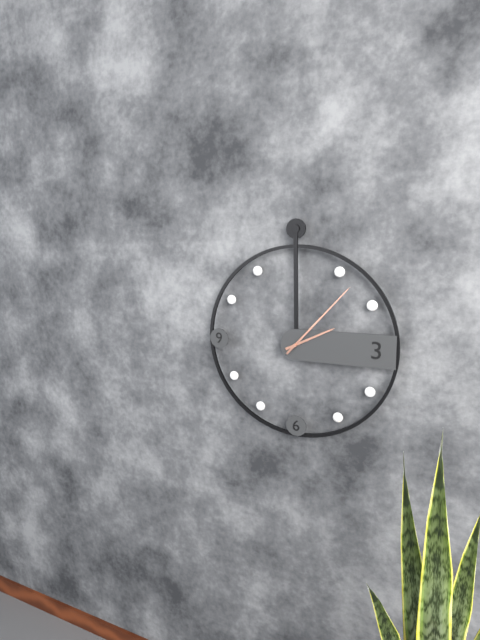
2:07
